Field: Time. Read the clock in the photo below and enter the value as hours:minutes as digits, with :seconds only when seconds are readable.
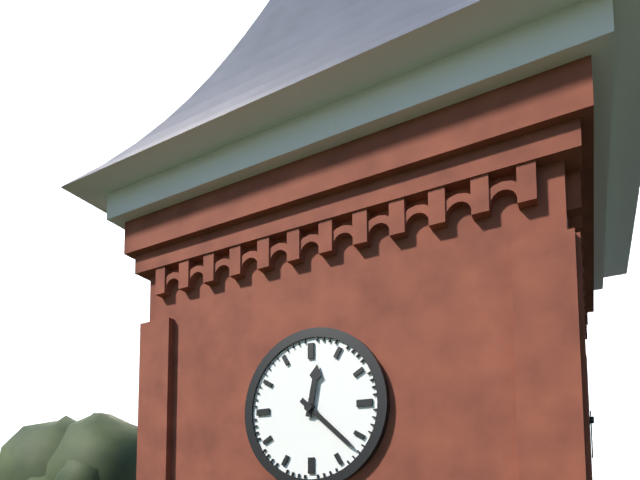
12:22
